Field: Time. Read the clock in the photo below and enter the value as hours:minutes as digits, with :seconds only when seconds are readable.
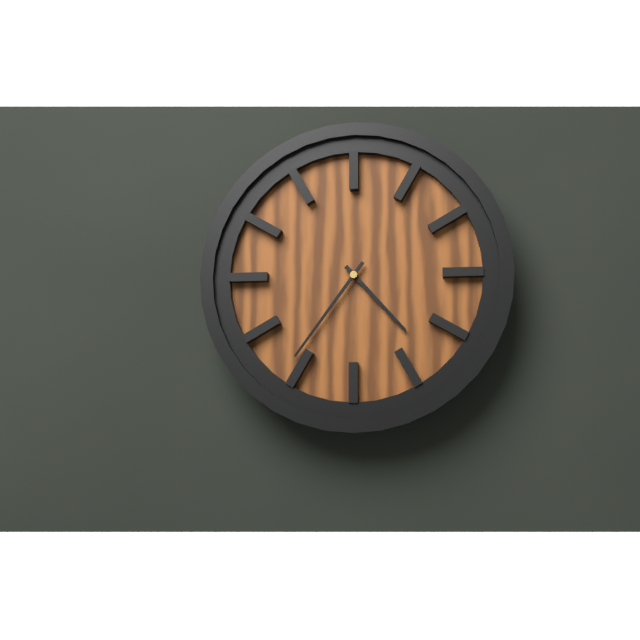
4:36
